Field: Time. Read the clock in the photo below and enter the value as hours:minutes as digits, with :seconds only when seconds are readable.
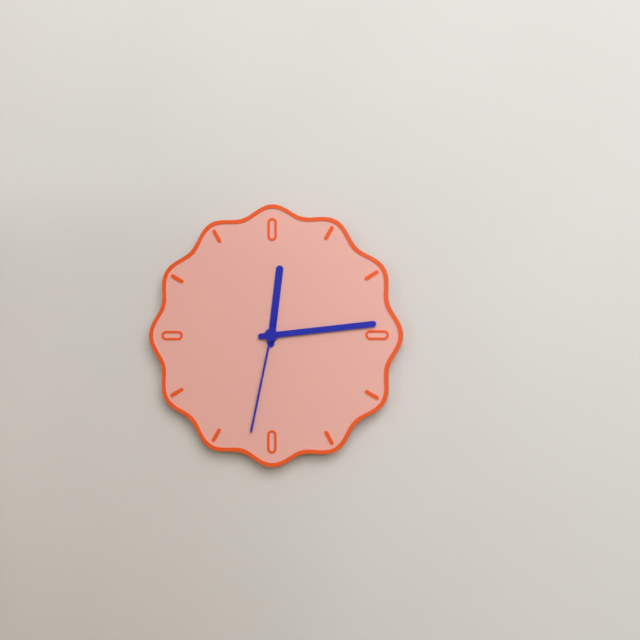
12:14:32
